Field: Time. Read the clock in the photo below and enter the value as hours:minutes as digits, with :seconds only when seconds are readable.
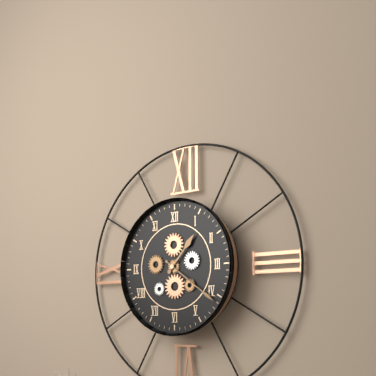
1:21
